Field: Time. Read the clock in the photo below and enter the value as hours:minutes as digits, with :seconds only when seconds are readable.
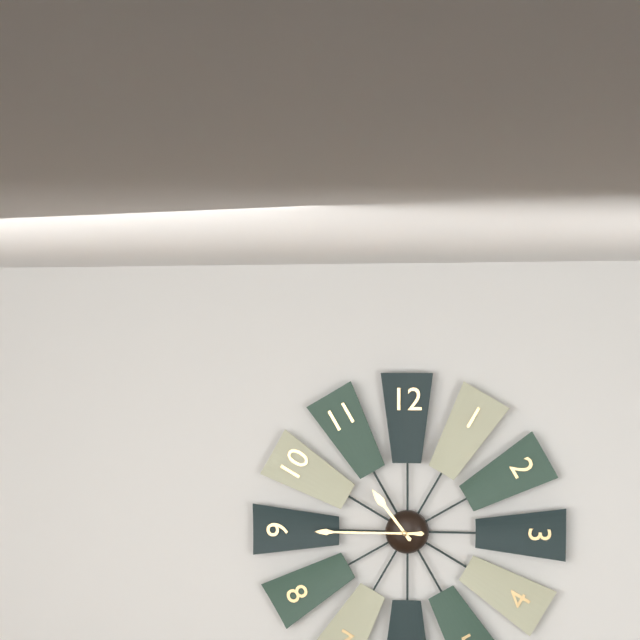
10:45
